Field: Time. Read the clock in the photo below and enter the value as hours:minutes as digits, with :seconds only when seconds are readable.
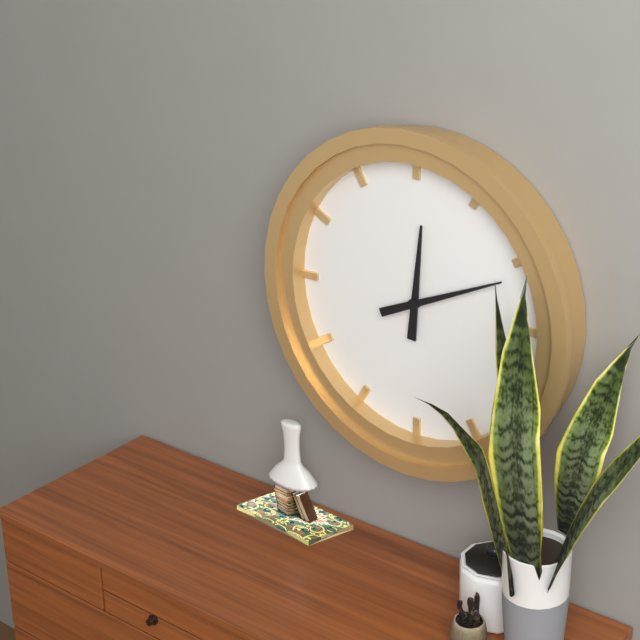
12:11
